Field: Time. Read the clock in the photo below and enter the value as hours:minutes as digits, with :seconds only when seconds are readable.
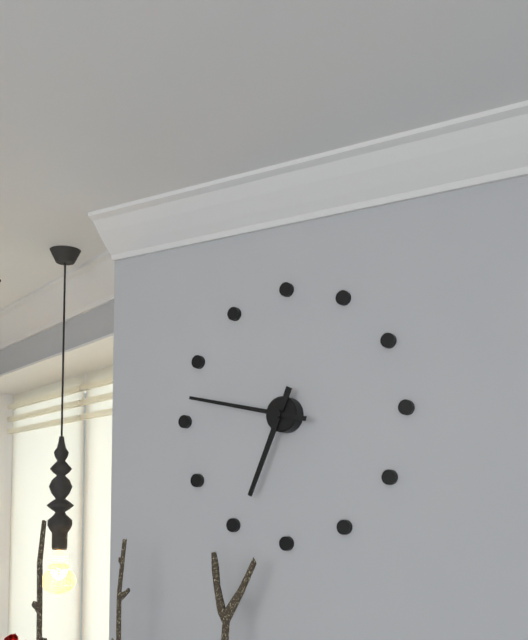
6:47
